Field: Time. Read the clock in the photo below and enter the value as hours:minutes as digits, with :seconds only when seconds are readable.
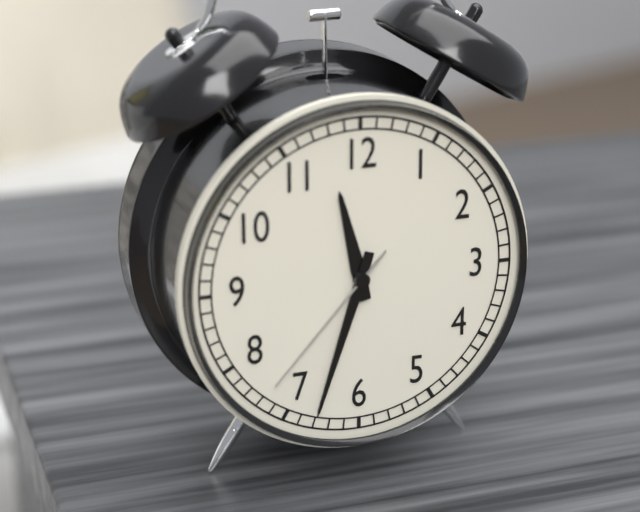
11:33:37
